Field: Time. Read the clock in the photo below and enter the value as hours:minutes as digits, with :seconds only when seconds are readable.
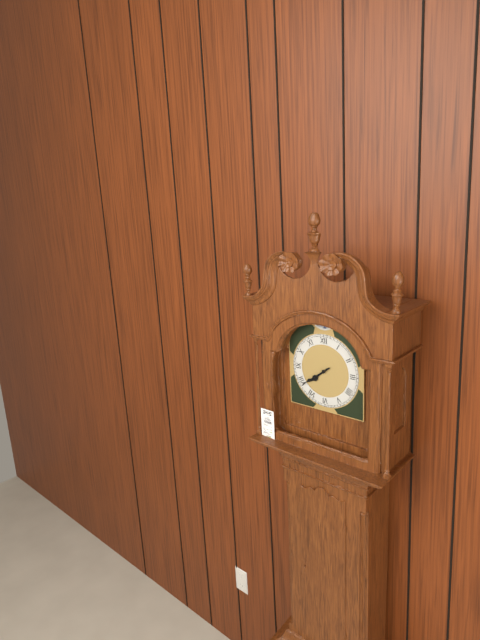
7:39
